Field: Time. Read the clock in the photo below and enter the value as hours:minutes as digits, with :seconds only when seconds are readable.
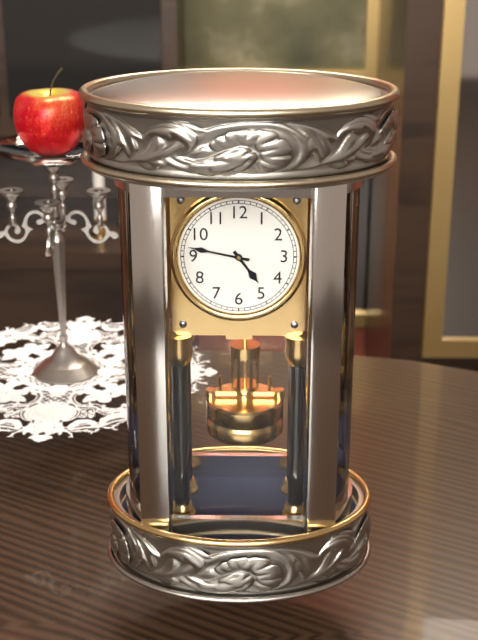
4:47
